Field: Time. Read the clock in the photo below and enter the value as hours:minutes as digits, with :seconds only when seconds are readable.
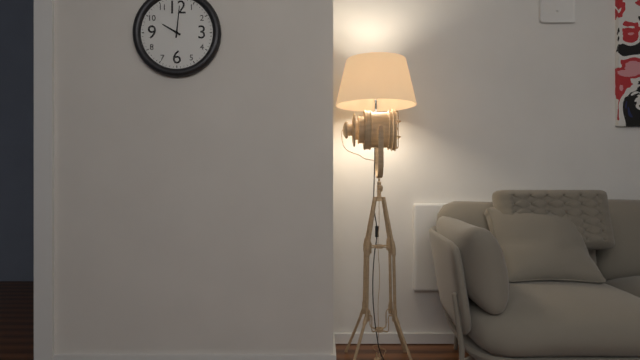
10:01
